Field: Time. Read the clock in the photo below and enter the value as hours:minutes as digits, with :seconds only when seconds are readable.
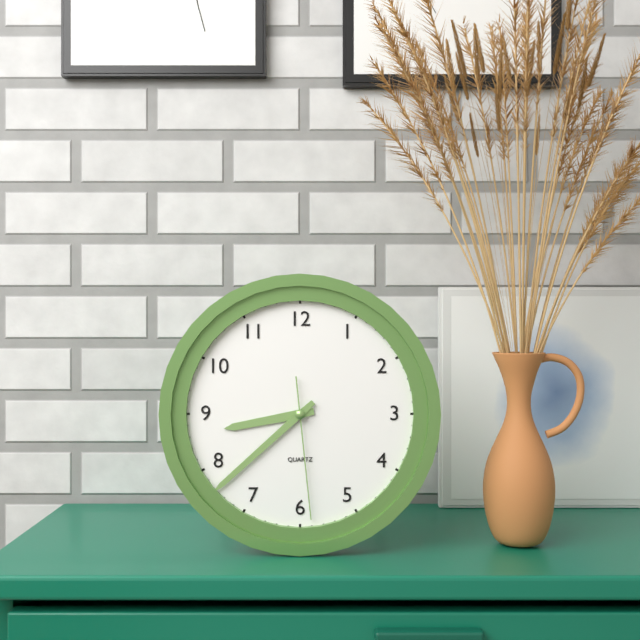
8:38:29
